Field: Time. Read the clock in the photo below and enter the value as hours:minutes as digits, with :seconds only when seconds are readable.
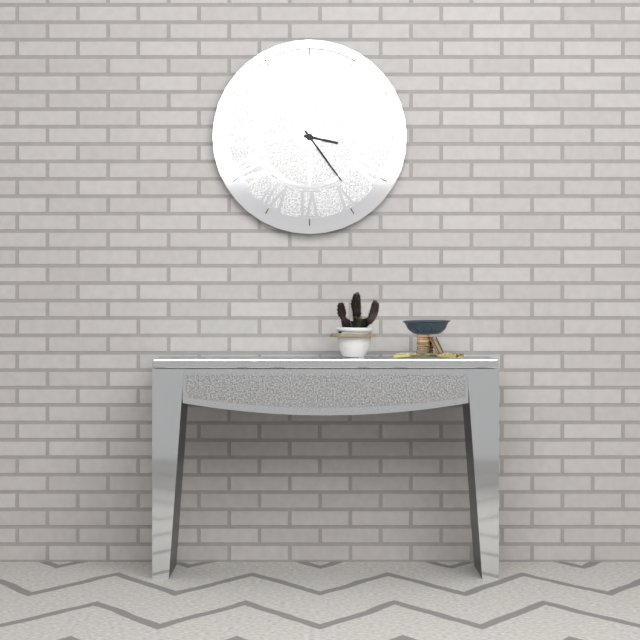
3:24
